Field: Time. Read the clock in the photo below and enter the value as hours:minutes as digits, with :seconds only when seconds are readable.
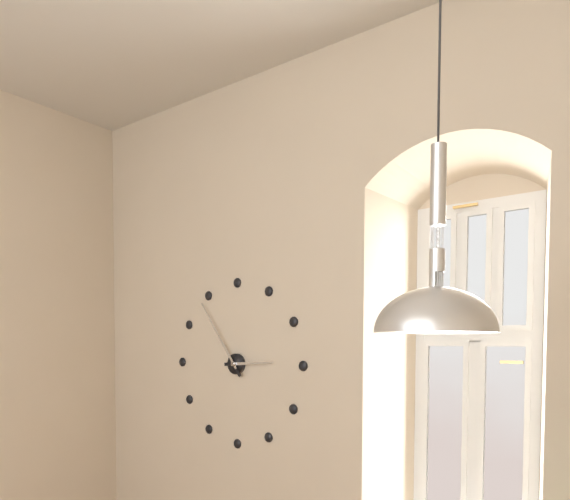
2:54
